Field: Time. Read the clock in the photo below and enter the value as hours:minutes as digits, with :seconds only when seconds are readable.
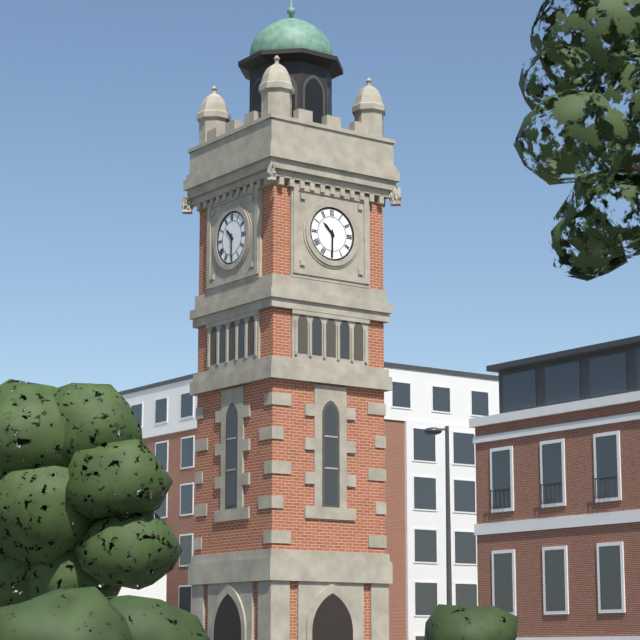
10:30
